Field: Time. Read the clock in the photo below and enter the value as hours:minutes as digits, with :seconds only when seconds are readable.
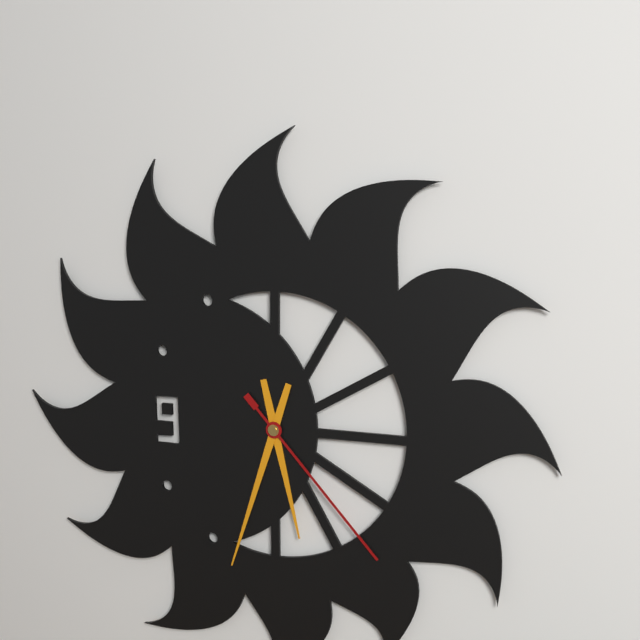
5:33:23
